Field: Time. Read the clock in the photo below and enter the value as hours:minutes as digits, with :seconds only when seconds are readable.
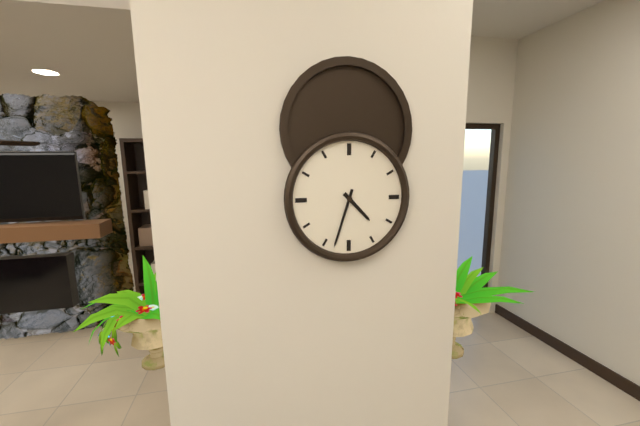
4:33
